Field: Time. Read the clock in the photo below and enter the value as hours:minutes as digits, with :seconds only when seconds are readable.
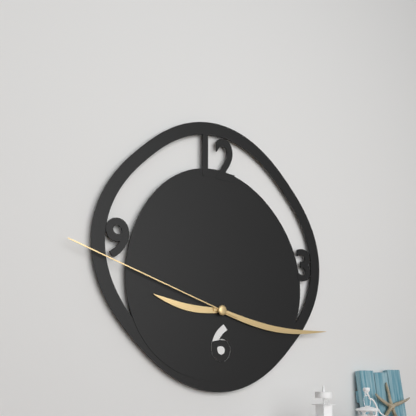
9:16:48
